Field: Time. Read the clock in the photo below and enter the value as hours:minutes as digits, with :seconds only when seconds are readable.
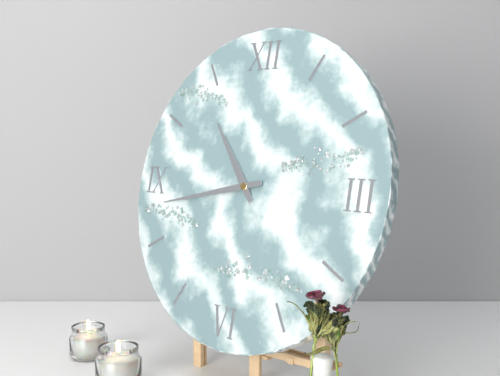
10:43
